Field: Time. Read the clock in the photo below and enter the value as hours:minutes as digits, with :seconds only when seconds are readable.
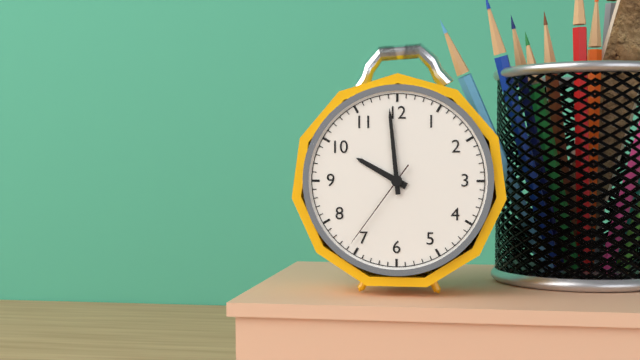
9:59:36
